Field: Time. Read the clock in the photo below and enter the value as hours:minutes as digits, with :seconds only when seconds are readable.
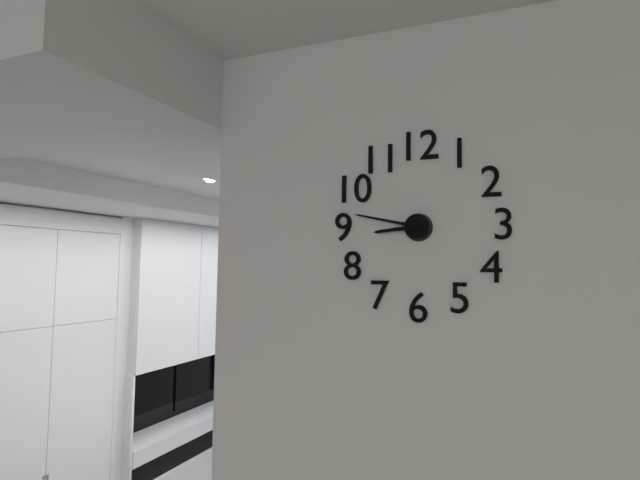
8:47
